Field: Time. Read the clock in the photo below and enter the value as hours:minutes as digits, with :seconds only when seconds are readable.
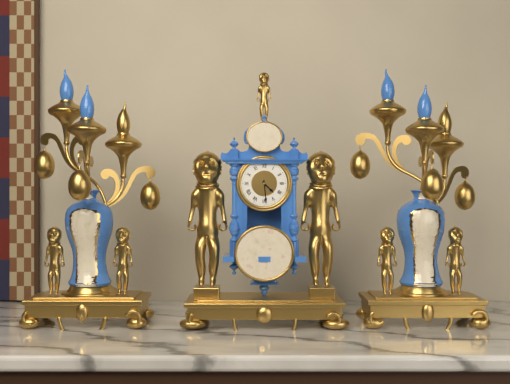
4:29
